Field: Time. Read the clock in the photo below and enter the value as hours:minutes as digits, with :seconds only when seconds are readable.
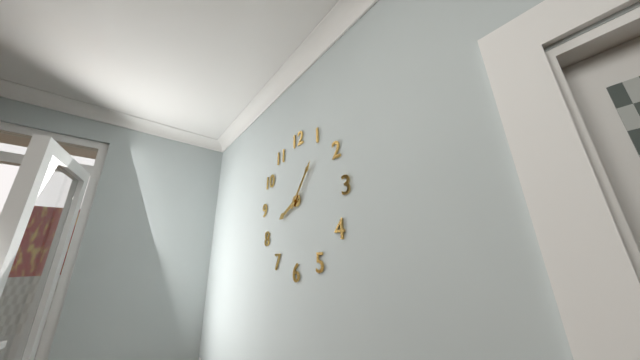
8:06
